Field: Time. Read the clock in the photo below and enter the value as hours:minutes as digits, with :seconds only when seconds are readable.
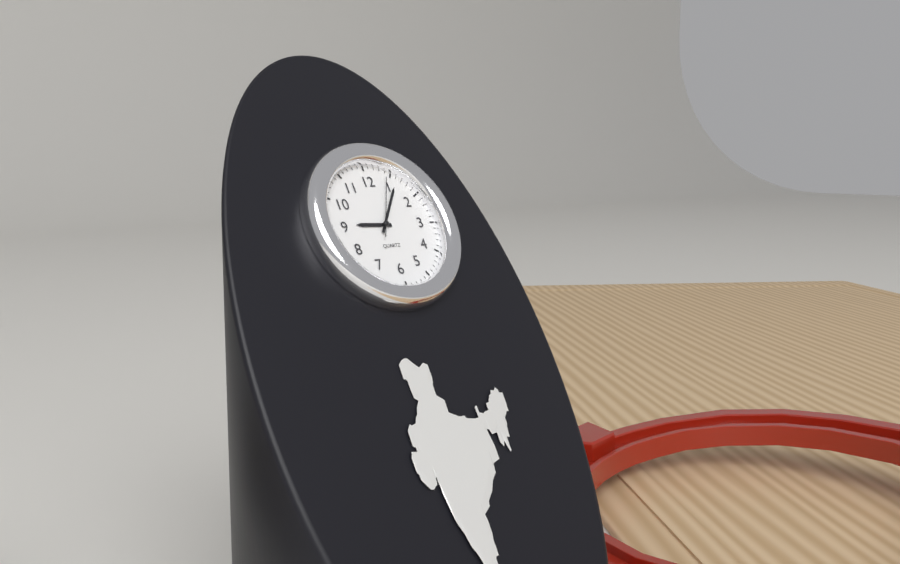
9:06:04
